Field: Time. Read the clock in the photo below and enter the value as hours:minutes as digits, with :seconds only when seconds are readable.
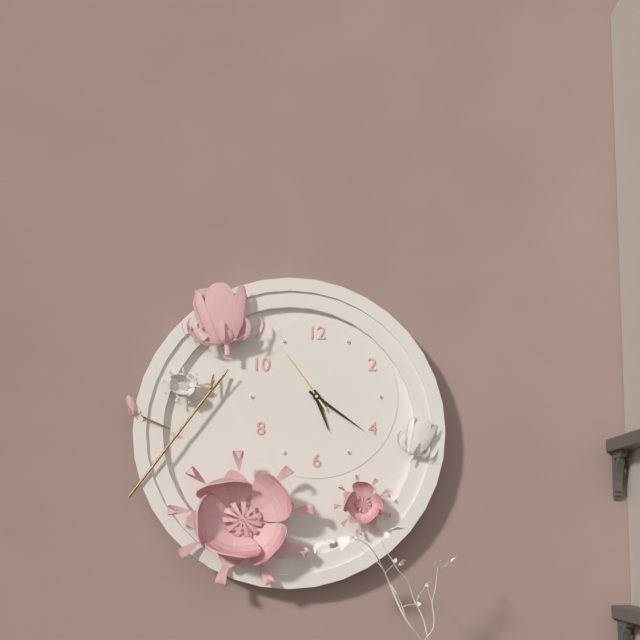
5:21:54
